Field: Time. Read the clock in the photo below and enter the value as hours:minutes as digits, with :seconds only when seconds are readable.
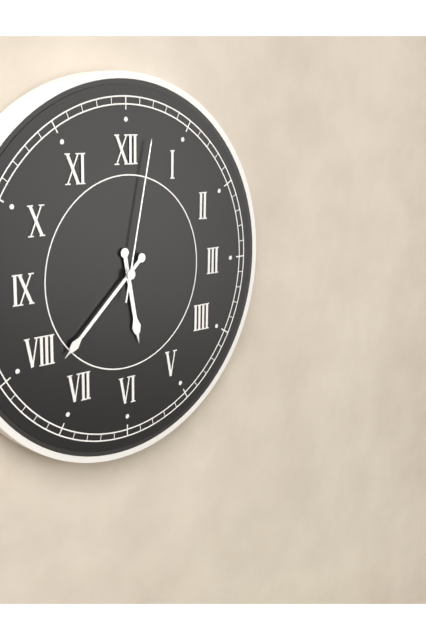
5:38:02
